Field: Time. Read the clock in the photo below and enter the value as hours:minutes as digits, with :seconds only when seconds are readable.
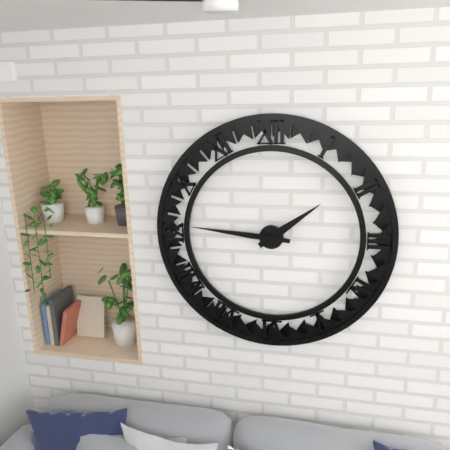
1:46
